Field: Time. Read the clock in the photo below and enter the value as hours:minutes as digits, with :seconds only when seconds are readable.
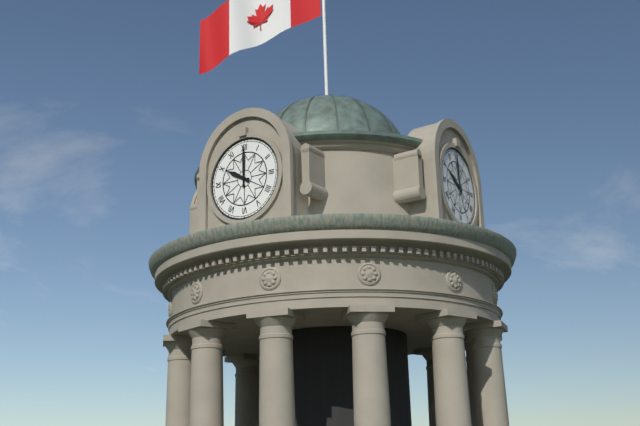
10:00
